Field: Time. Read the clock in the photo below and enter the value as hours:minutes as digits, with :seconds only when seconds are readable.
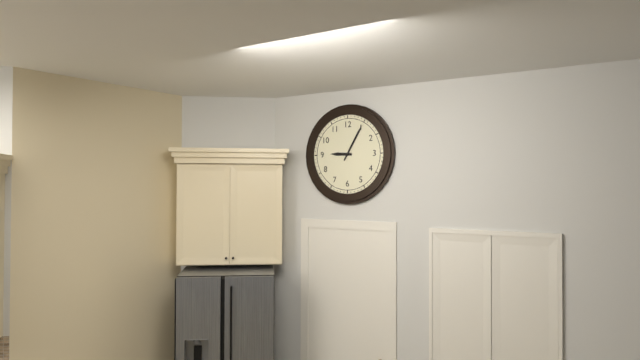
9:05
